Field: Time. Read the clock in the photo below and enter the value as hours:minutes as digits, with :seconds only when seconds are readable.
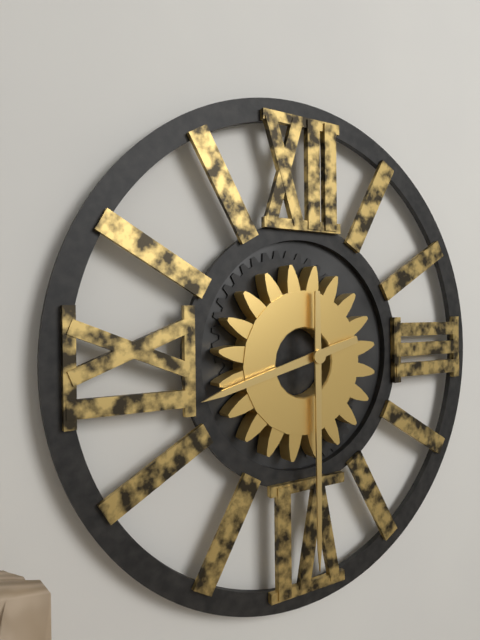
8:30
